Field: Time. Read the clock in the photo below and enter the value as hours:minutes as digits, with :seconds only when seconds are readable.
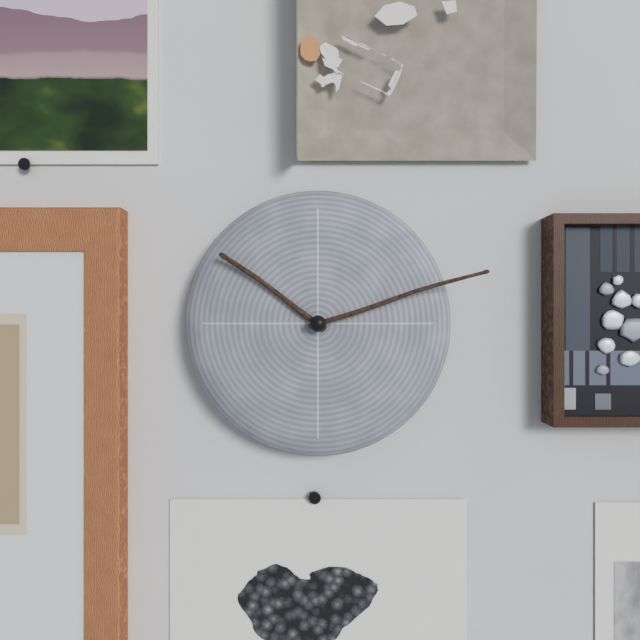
10:12
